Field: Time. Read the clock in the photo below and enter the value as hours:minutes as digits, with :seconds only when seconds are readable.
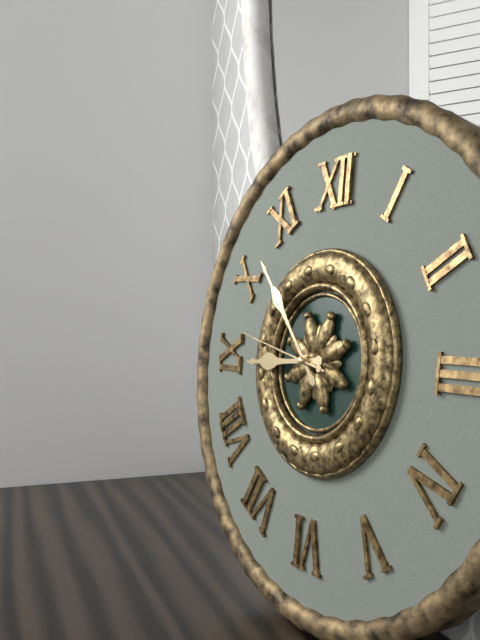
8:53:47
